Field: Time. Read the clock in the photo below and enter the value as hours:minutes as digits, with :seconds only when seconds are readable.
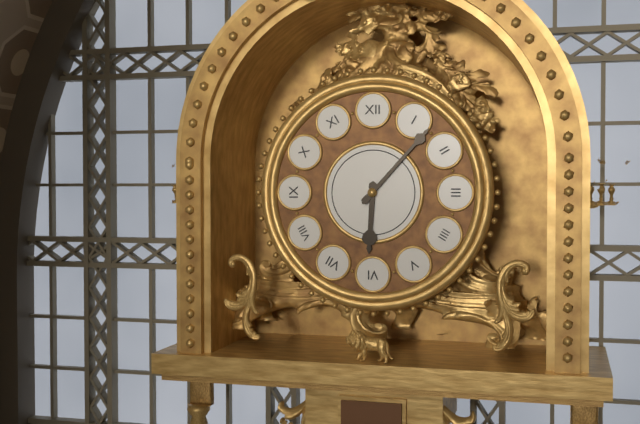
6:07
